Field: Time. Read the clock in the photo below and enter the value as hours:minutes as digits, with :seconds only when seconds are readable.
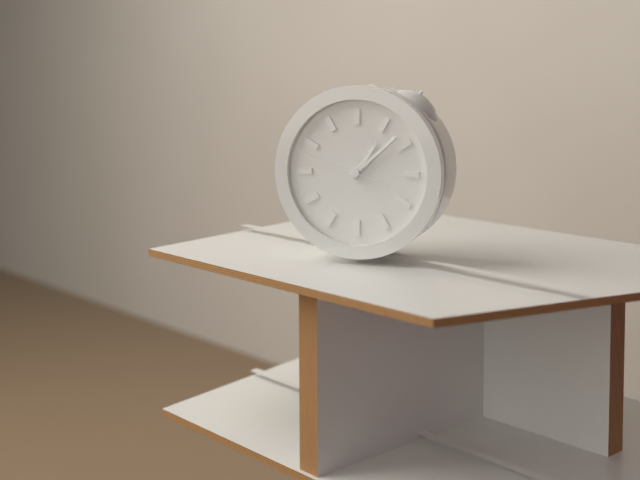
1:08:48
